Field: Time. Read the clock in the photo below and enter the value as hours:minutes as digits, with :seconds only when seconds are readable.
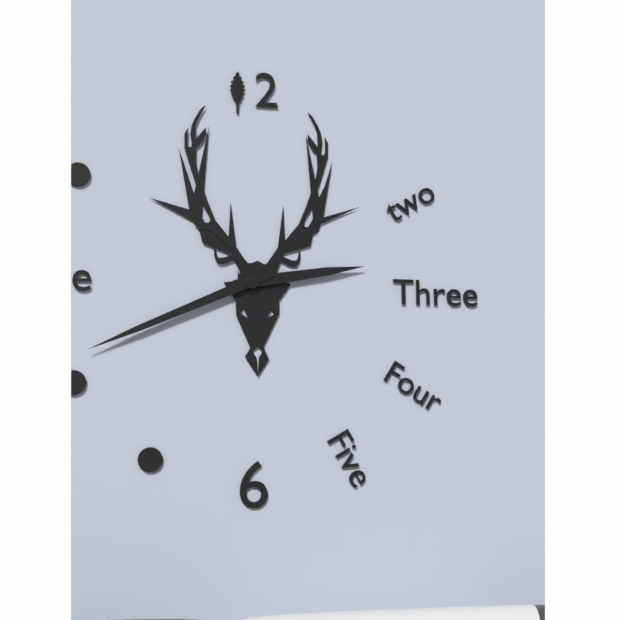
2:41
